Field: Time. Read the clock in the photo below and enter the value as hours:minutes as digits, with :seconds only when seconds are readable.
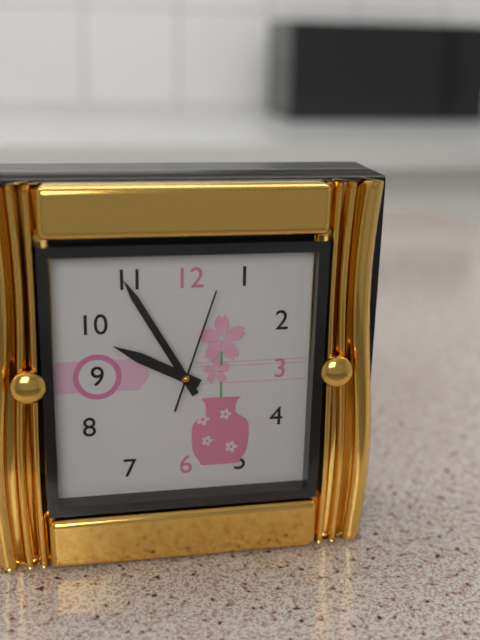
9:55:03
